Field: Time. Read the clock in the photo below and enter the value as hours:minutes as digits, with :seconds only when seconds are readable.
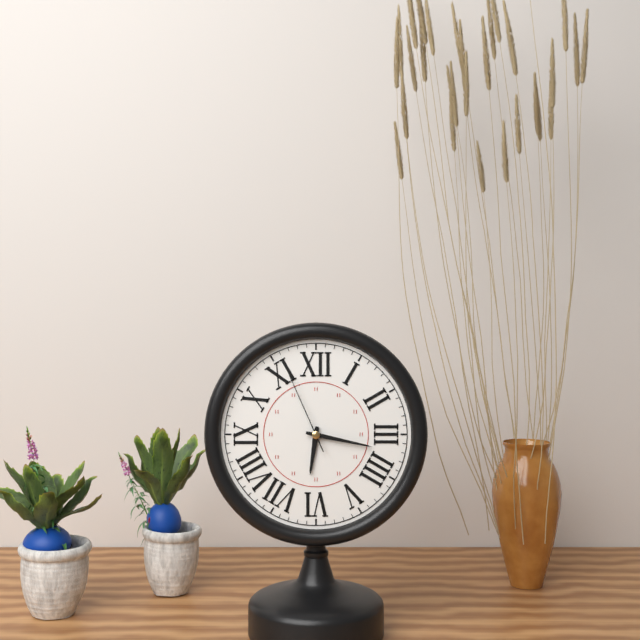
6:17:56
